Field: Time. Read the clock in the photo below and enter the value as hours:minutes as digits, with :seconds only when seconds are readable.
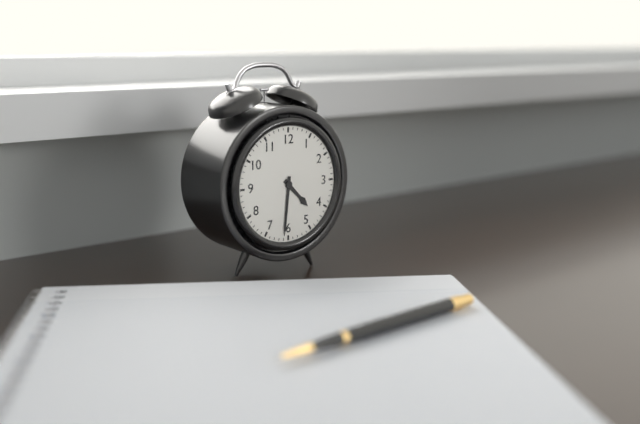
4:31
